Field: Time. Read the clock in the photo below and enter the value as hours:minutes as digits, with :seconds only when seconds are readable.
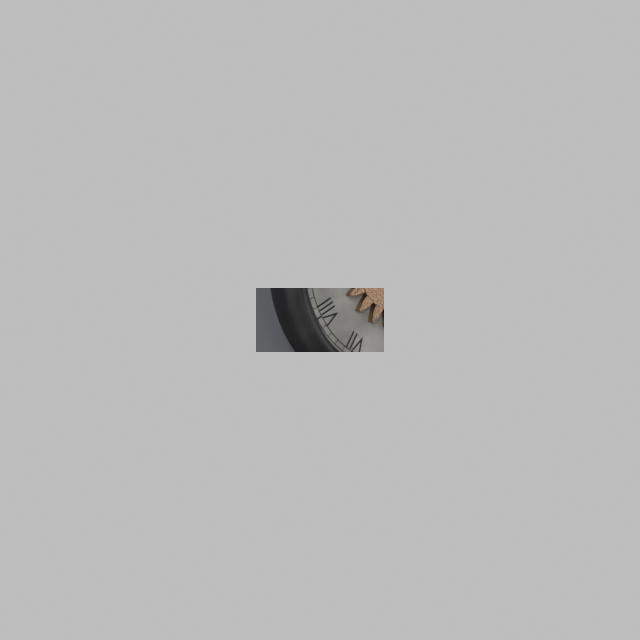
3:50
